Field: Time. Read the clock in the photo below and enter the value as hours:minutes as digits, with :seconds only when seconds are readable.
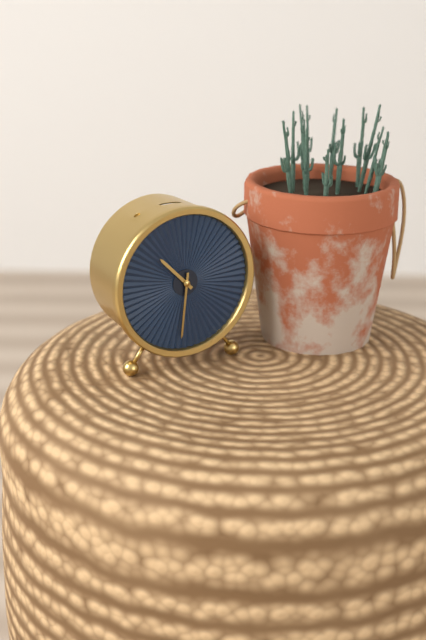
10:31
